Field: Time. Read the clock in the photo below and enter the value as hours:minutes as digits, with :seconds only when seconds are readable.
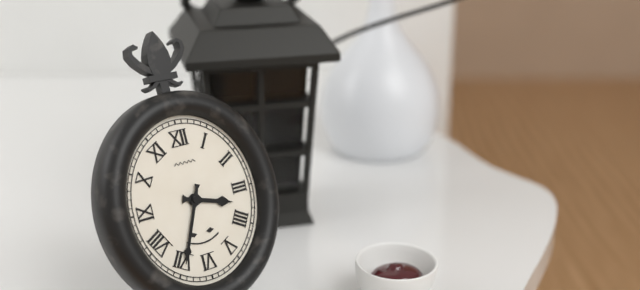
3:34
